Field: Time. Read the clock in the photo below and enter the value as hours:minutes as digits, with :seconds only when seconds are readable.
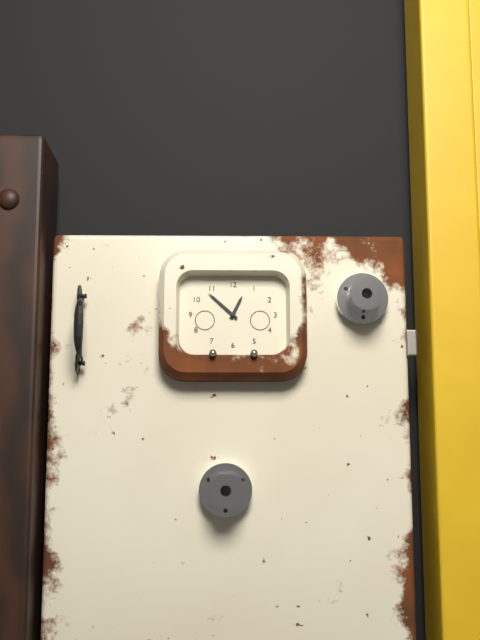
12:52
